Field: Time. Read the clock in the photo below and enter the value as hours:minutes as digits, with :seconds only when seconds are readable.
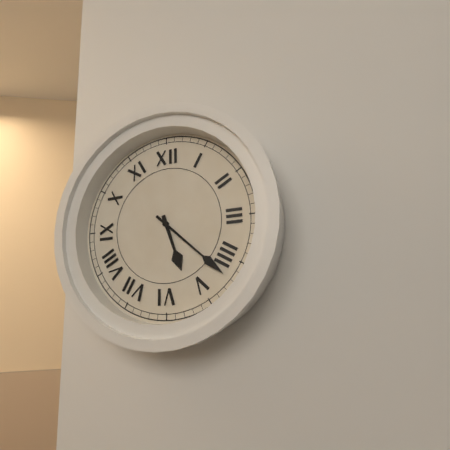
5:22
